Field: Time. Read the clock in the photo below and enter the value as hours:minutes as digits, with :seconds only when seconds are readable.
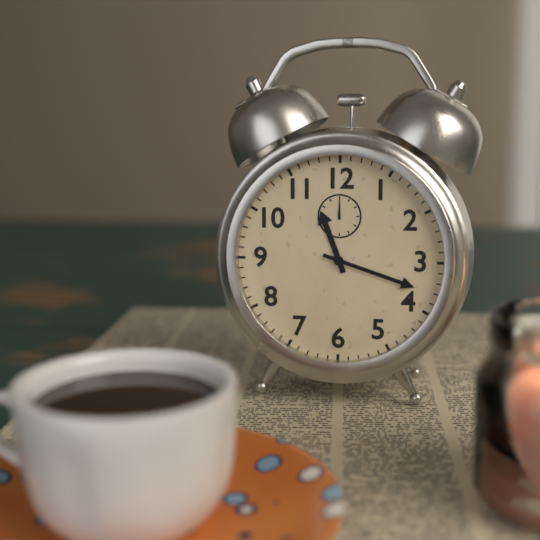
11:18
